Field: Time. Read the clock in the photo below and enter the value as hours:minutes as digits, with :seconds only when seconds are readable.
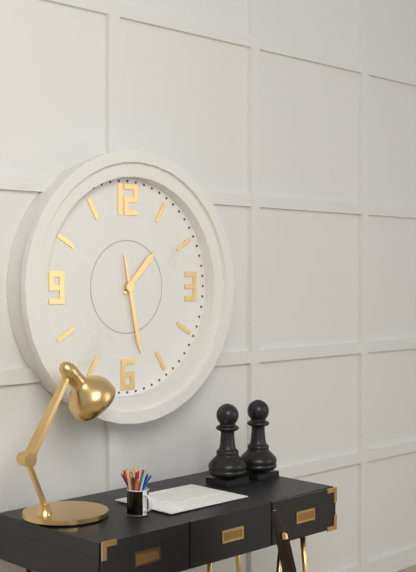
1:28
